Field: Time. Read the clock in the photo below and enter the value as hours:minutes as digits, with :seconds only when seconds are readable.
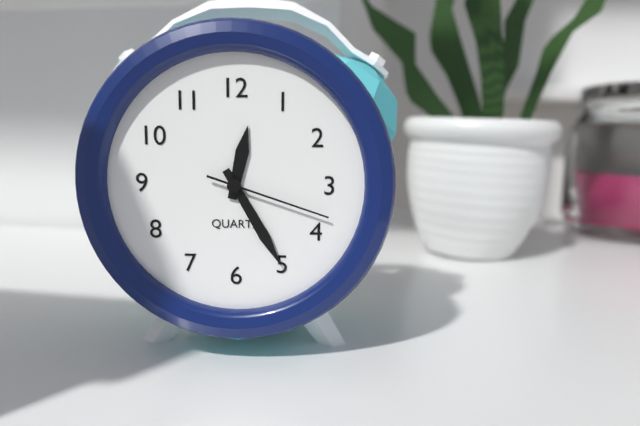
12:25:18
